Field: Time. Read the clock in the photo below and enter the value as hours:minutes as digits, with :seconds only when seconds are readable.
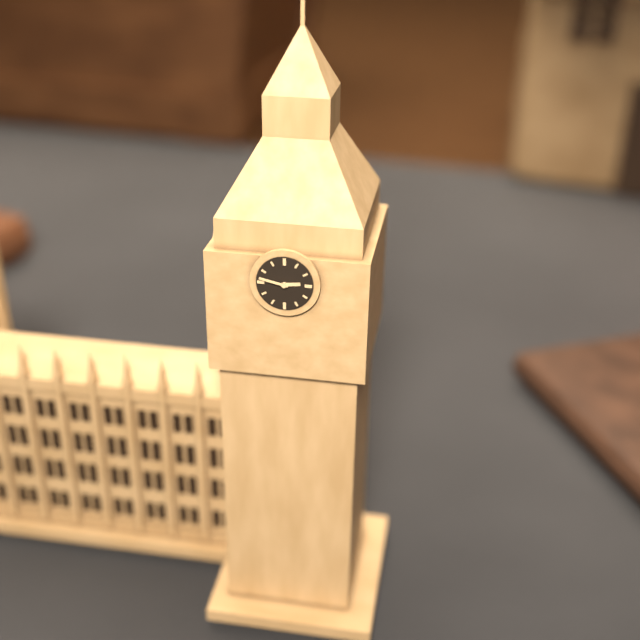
2:47
